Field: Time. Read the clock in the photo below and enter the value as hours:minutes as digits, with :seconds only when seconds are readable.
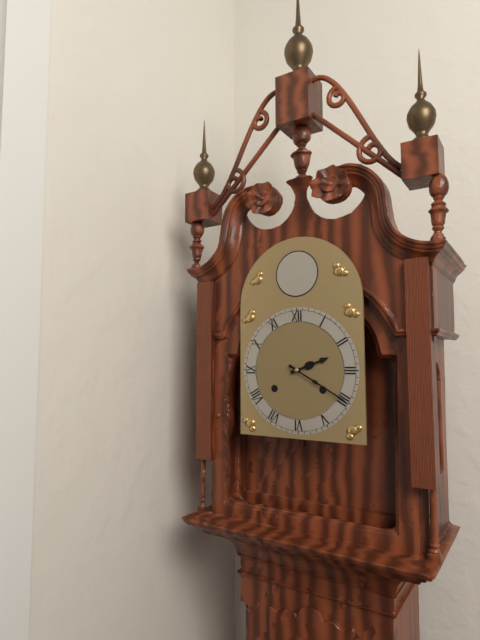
2:20
